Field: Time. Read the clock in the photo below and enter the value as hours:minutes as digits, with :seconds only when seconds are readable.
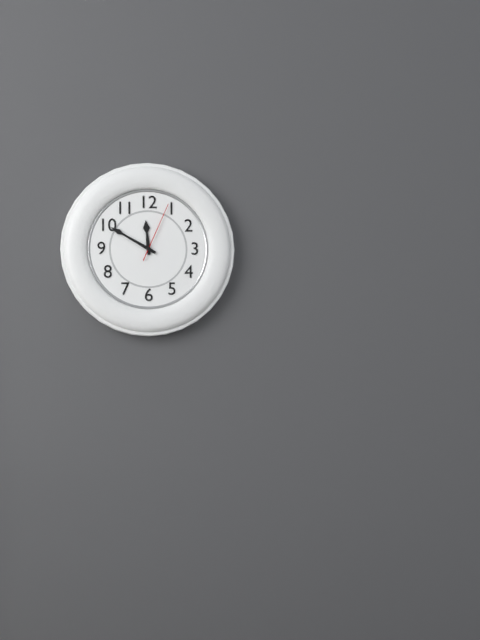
11:50:04
